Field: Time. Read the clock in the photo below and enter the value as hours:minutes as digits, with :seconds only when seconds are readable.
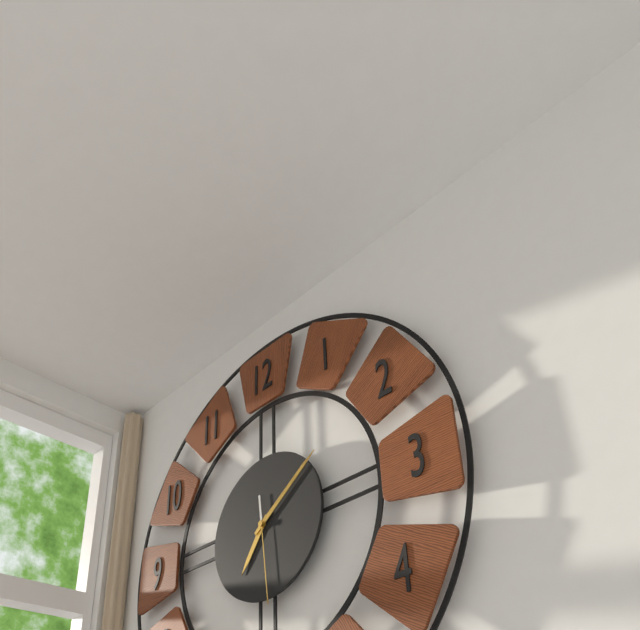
7:09:29
